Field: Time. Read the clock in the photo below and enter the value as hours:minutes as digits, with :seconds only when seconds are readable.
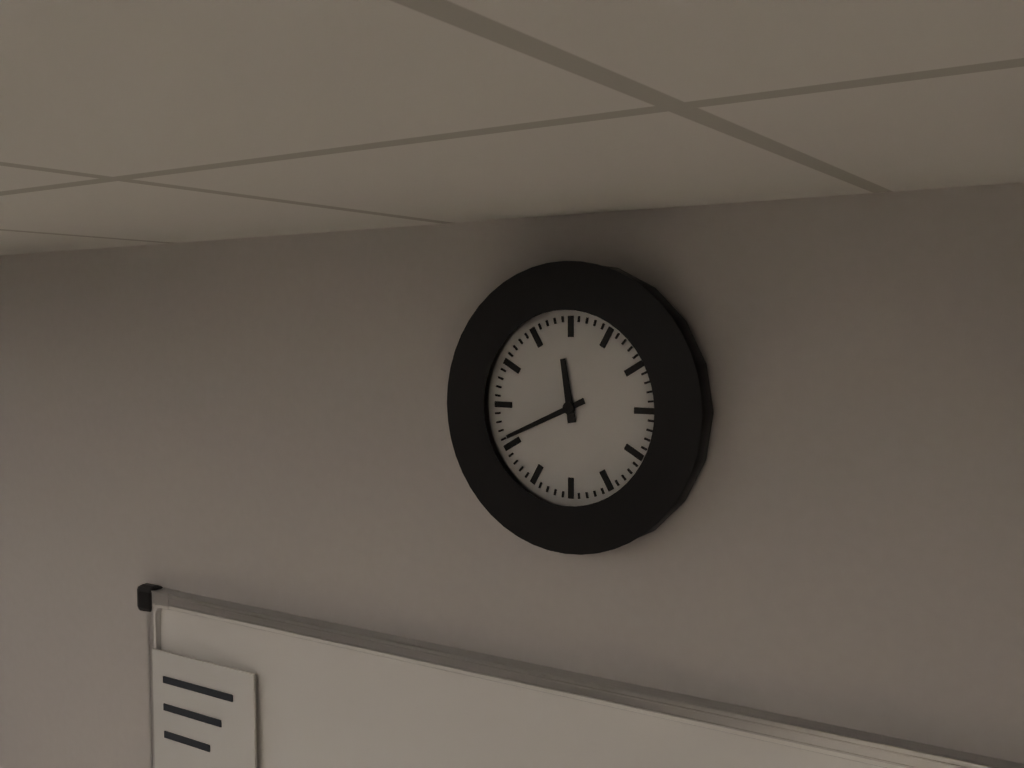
11:41
